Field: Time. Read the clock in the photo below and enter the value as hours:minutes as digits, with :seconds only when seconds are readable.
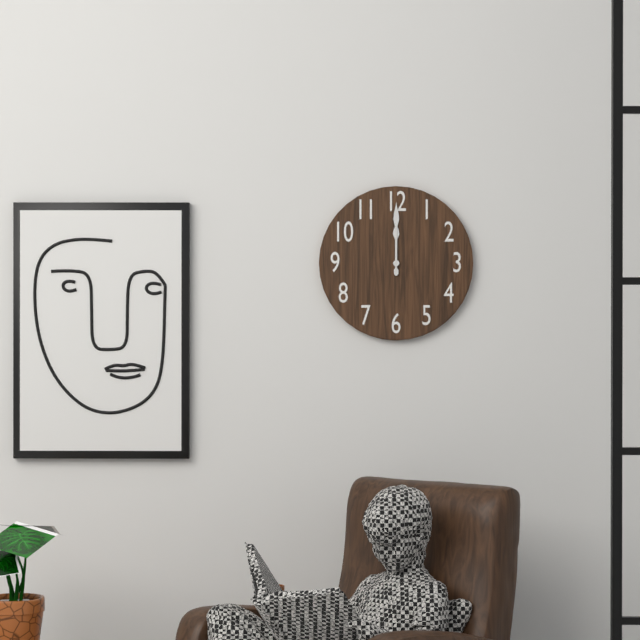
12:00
